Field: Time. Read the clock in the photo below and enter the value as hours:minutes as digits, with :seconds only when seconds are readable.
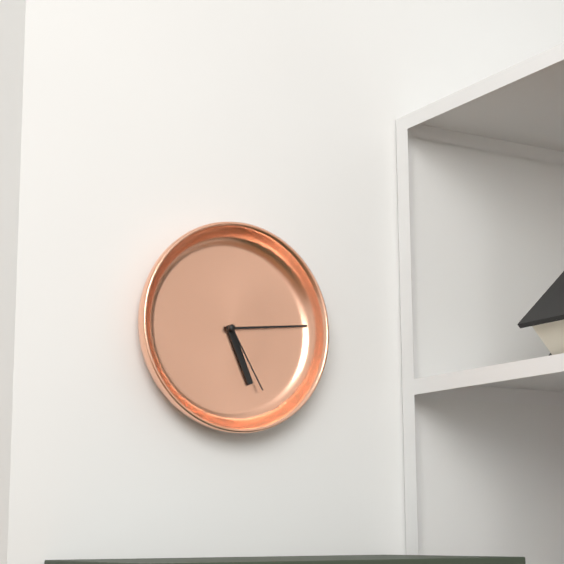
5:14:25
